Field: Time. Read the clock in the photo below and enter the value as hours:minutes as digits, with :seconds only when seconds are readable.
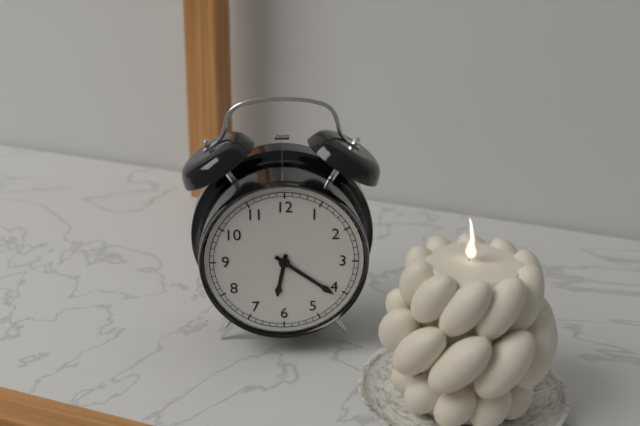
6:21
